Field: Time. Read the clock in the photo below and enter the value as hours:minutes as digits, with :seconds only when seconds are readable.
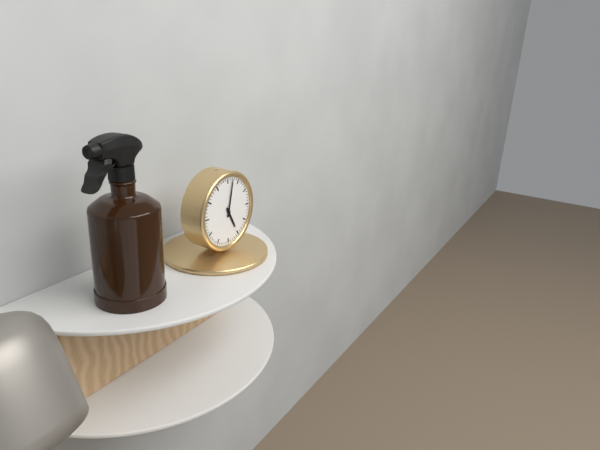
5:02
